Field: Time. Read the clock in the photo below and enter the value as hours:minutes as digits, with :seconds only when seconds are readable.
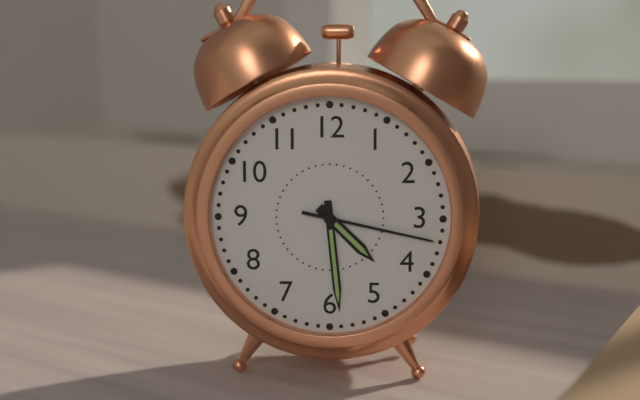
4:29:17
